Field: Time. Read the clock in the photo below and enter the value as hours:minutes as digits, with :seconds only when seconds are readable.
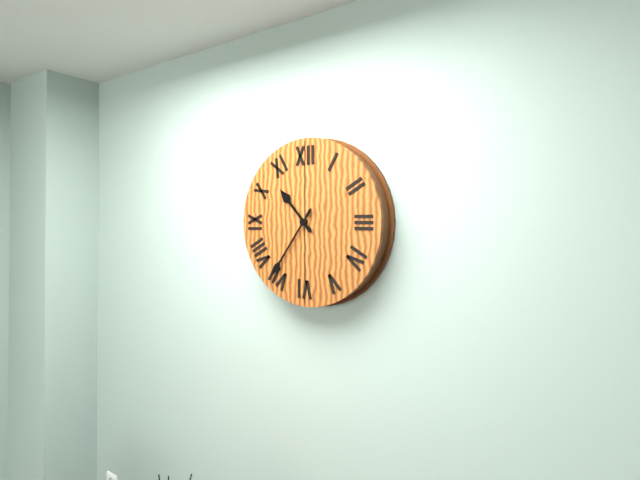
10:36
